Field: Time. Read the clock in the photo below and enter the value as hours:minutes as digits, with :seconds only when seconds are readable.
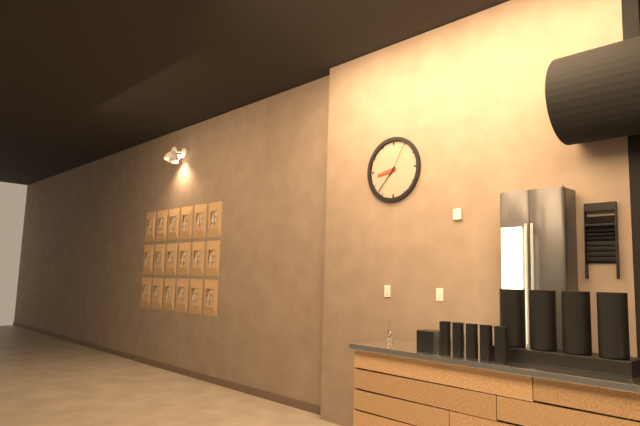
8:37
